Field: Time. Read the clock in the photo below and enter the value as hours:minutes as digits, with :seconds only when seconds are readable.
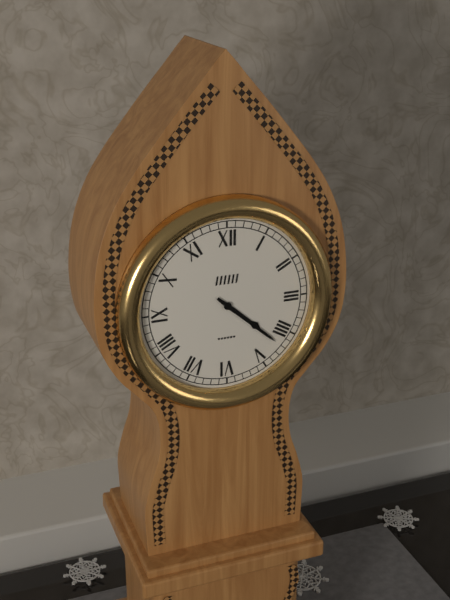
4:22
